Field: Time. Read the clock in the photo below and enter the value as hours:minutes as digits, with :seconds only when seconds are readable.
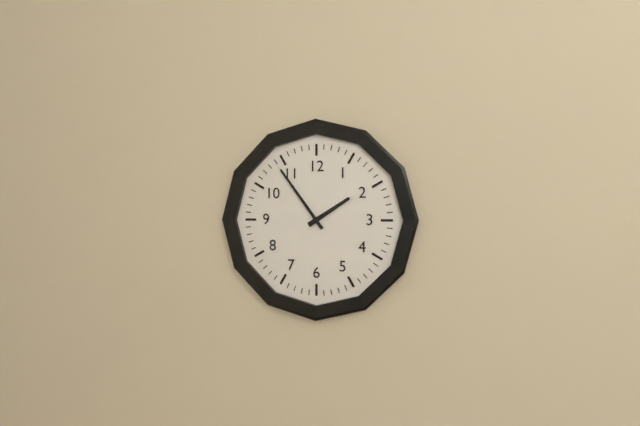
1:54
